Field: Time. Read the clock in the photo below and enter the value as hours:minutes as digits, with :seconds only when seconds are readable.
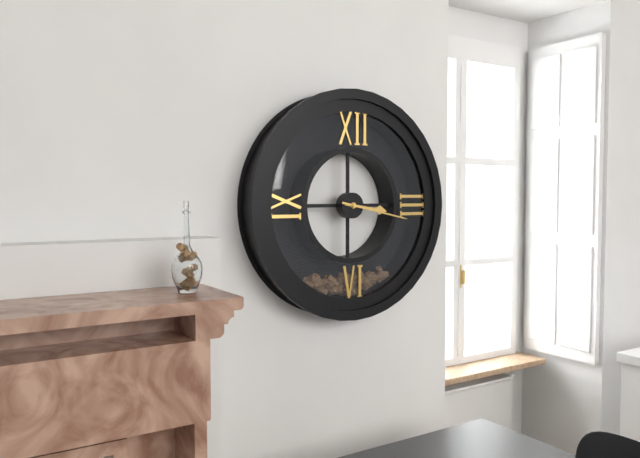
3:17
